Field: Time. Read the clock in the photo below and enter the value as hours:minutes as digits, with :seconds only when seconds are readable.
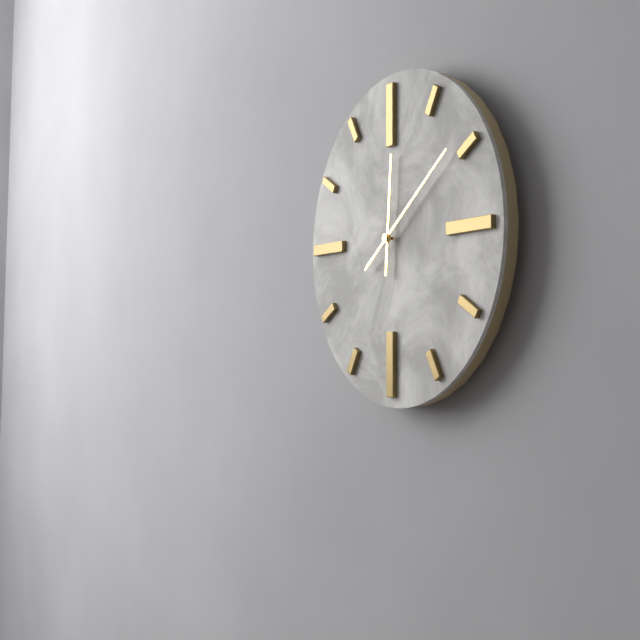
12:09
